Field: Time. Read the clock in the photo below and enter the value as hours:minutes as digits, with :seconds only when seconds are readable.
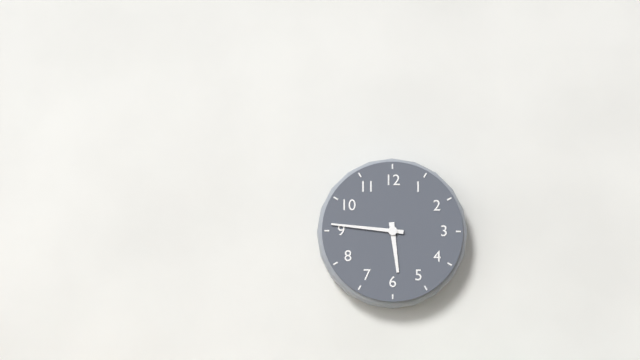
5:46
